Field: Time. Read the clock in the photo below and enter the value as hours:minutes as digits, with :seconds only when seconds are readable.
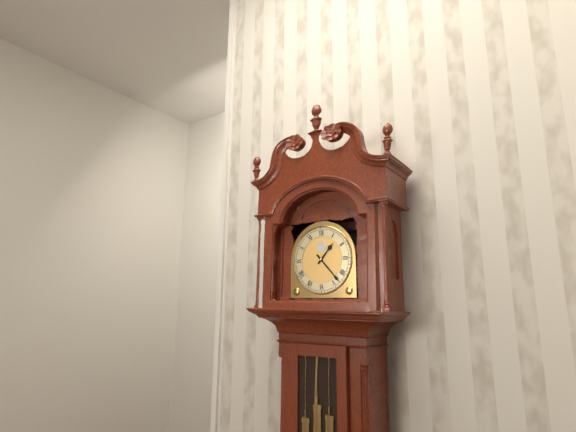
1:23
